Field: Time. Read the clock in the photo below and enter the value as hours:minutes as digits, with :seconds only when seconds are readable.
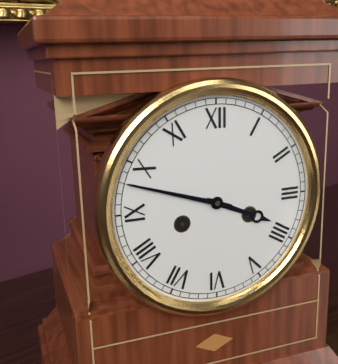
3:48
